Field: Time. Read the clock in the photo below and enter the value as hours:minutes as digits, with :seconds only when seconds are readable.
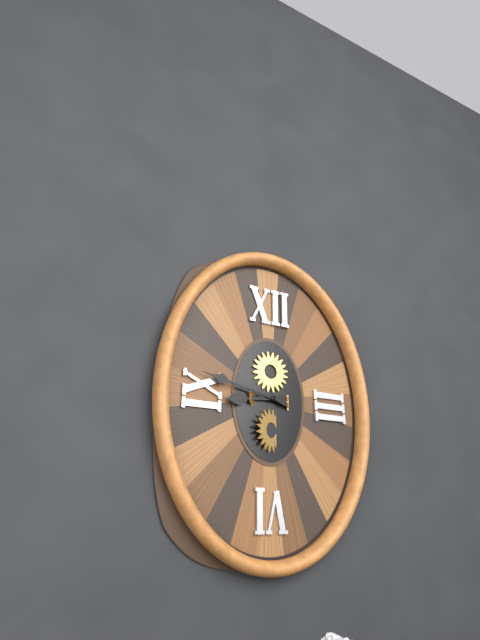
8:47
